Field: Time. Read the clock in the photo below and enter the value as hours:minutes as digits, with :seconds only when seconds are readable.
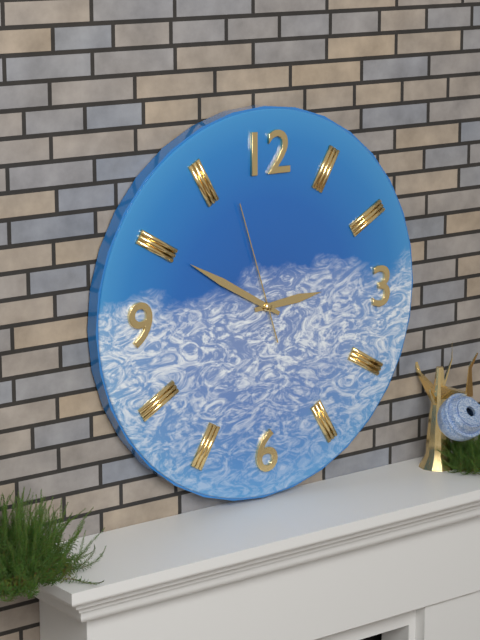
2:50:57
